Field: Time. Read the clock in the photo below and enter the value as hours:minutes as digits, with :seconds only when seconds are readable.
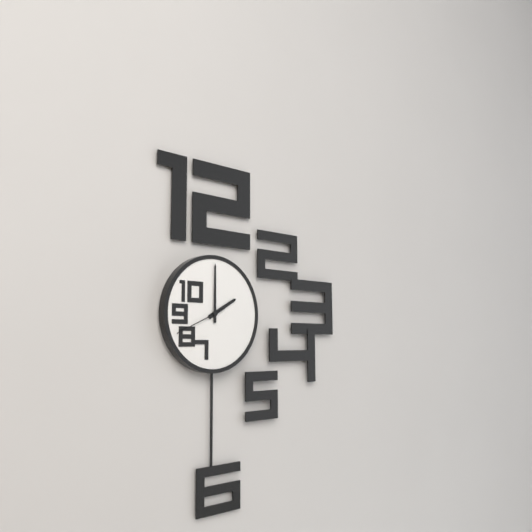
2:00:41
